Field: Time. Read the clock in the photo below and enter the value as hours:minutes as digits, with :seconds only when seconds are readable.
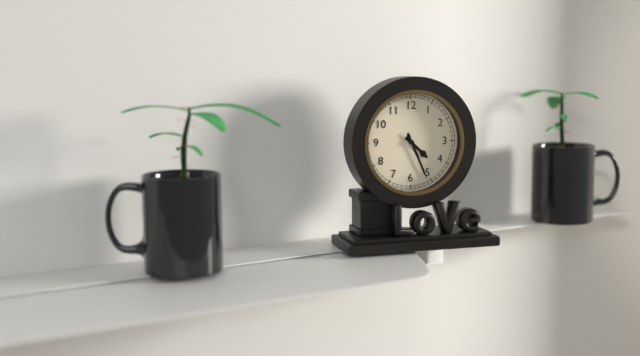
4:26
